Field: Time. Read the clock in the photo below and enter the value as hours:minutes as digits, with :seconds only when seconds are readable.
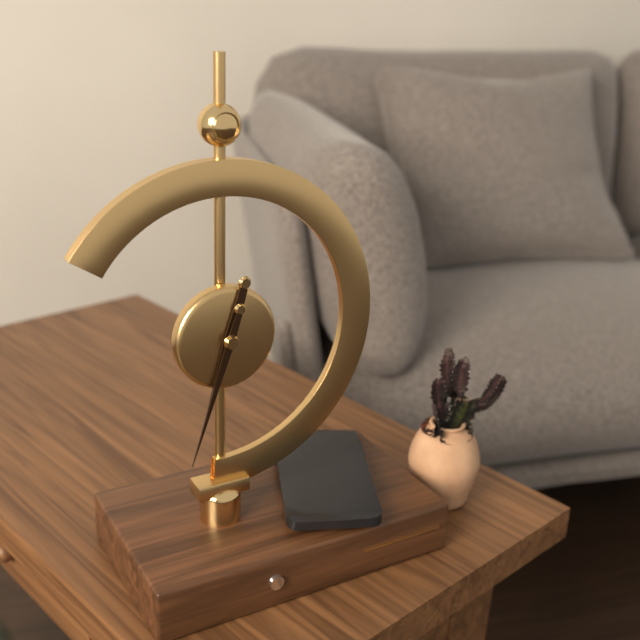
6:33
